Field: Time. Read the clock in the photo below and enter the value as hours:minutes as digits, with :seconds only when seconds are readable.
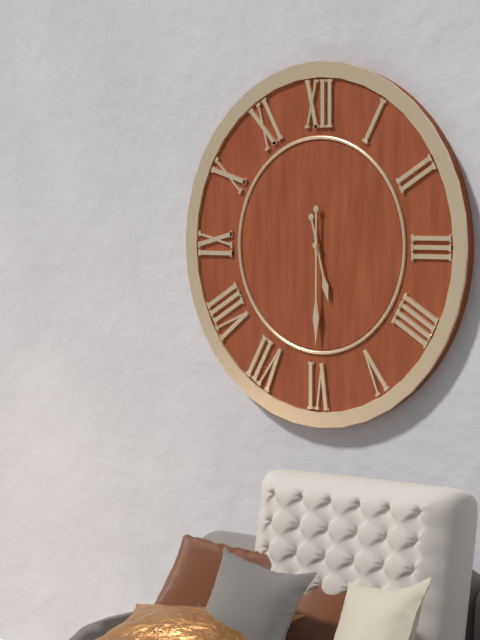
5:30
